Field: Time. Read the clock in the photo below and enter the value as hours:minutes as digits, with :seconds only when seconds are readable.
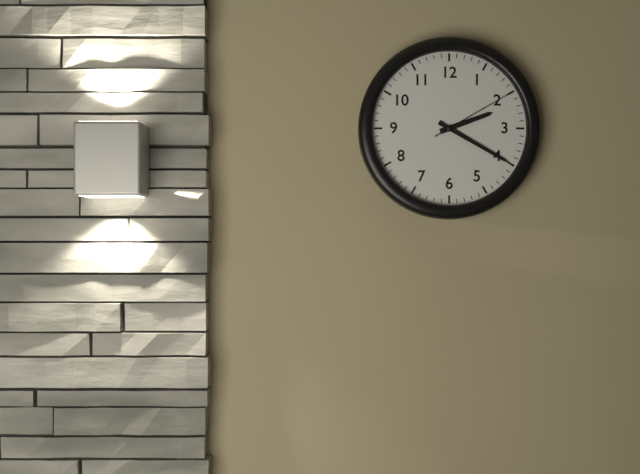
2:20:10
